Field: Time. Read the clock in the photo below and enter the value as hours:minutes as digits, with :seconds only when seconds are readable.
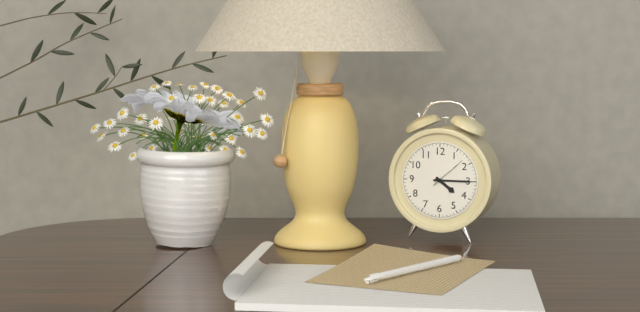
4:15
